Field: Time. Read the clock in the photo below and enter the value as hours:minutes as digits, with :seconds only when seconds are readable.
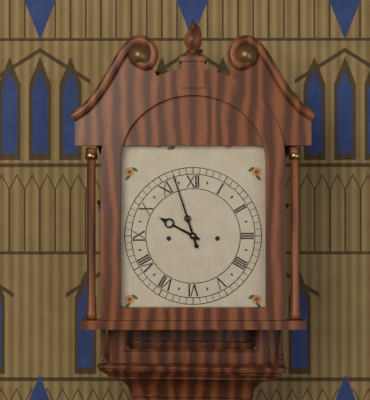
9:57
